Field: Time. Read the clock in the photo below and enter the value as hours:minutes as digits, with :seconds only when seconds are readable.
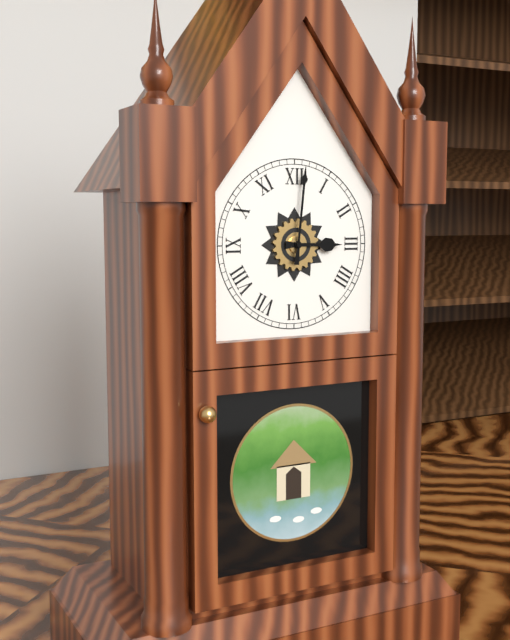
3:01
